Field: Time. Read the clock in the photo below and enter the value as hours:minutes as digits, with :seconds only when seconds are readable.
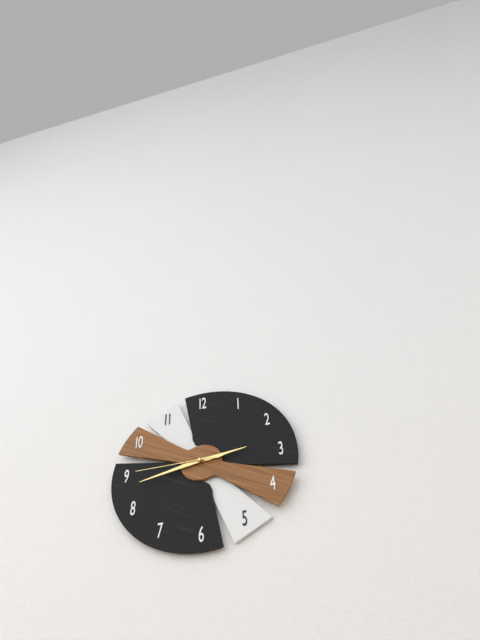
2:43:45
